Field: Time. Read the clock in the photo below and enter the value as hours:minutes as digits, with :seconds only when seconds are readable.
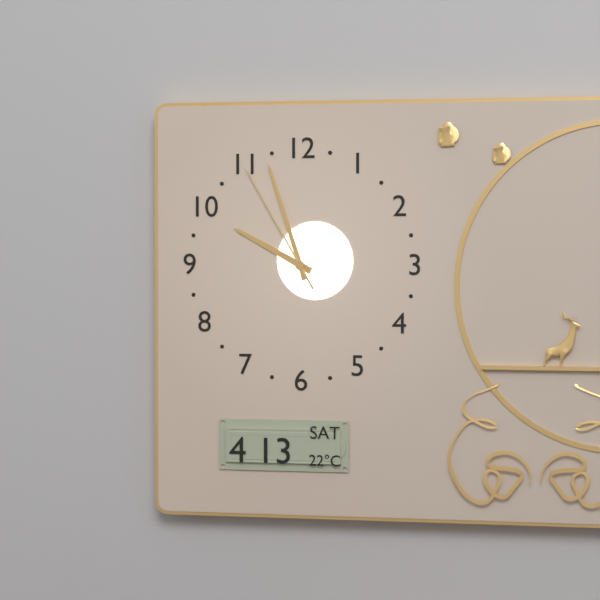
9:57:55
